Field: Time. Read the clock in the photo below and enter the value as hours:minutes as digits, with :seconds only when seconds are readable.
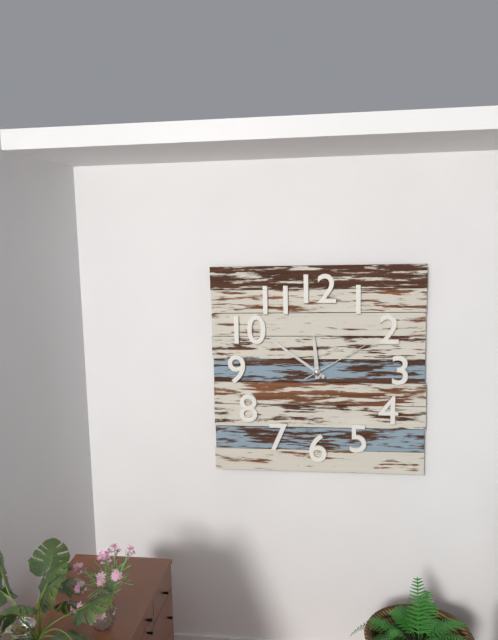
11:51:10
